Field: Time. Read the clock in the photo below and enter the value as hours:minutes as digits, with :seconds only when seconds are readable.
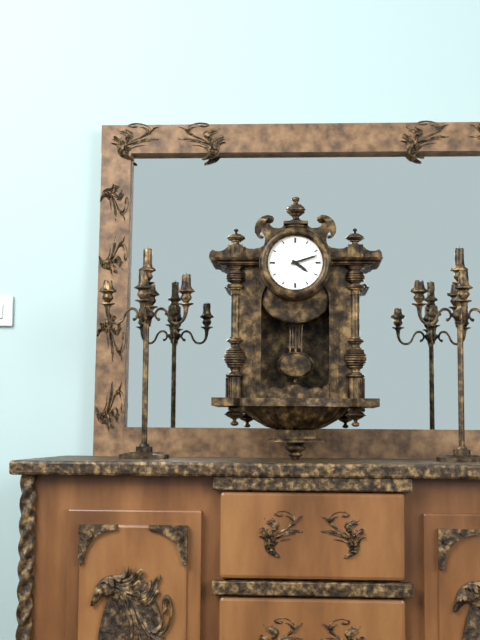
4:12
